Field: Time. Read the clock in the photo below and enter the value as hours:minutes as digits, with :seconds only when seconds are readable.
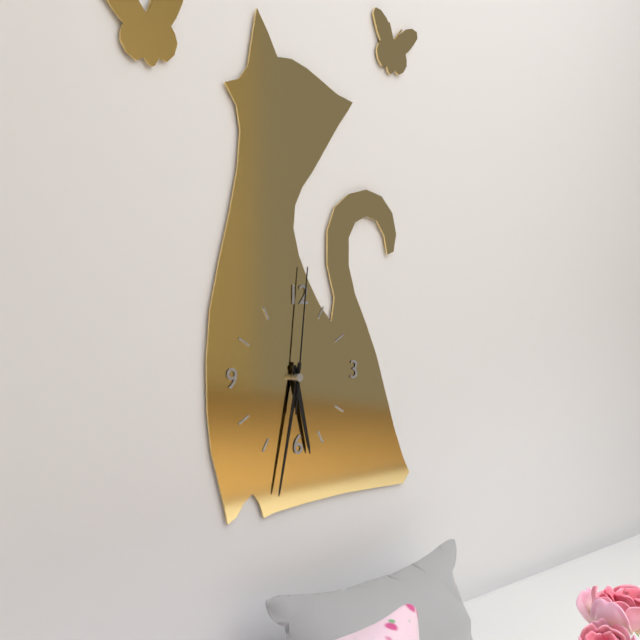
5:32:01
